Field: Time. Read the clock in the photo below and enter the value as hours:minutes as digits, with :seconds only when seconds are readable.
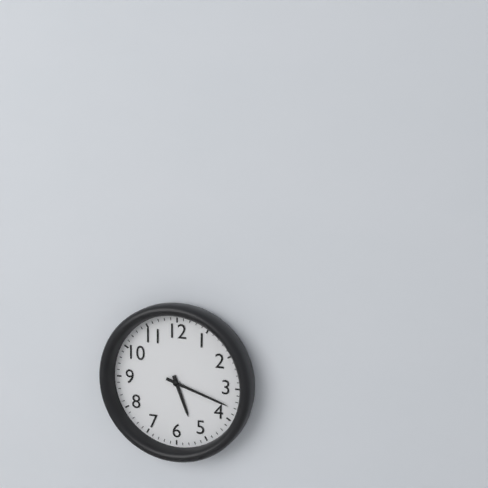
5:18
